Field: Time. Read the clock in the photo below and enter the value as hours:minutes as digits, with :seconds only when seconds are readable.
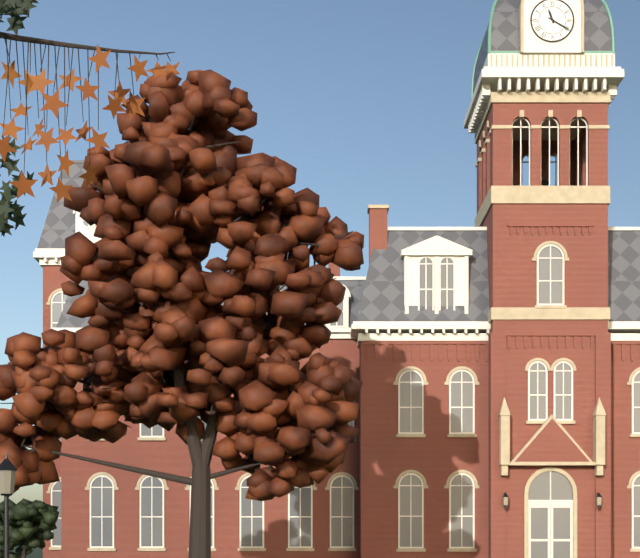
11:20
